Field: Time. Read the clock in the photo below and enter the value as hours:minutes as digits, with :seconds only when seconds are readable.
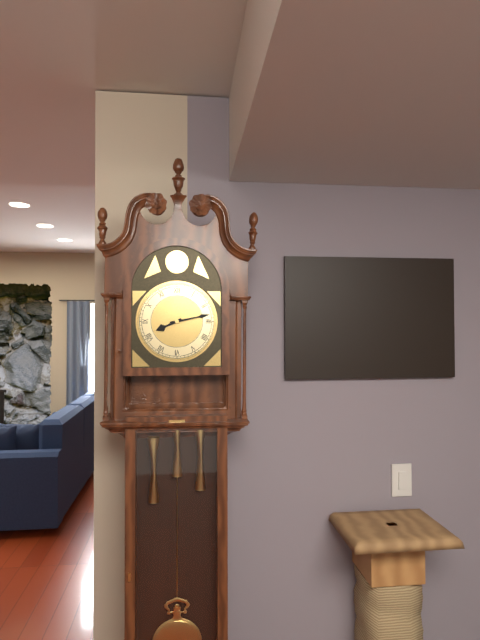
8:13
